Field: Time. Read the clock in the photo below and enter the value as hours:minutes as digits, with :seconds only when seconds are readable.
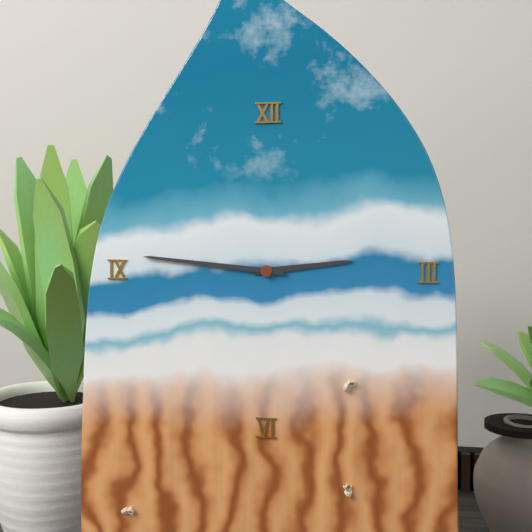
2:46
